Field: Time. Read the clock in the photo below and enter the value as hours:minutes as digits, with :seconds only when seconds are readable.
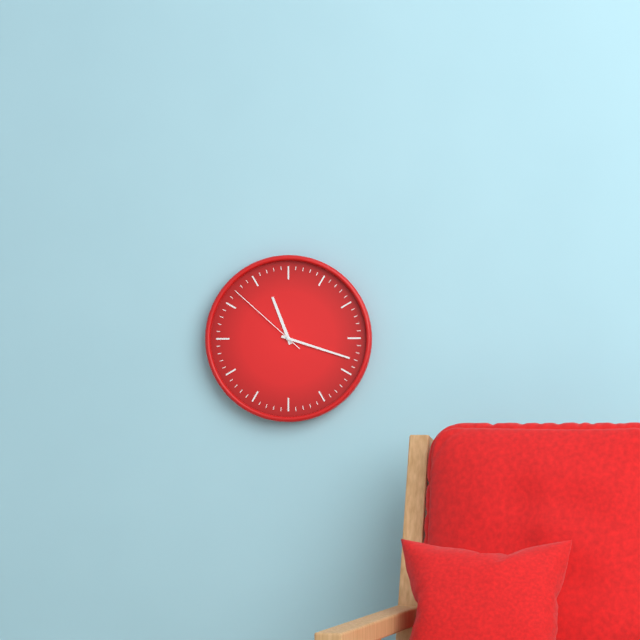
11:18:52
